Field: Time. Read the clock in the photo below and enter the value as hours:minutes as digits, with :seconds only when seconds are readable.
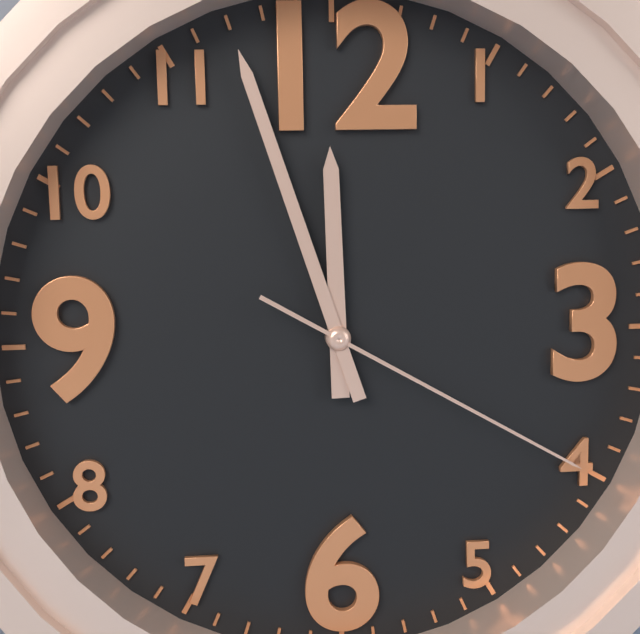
11:57:20
